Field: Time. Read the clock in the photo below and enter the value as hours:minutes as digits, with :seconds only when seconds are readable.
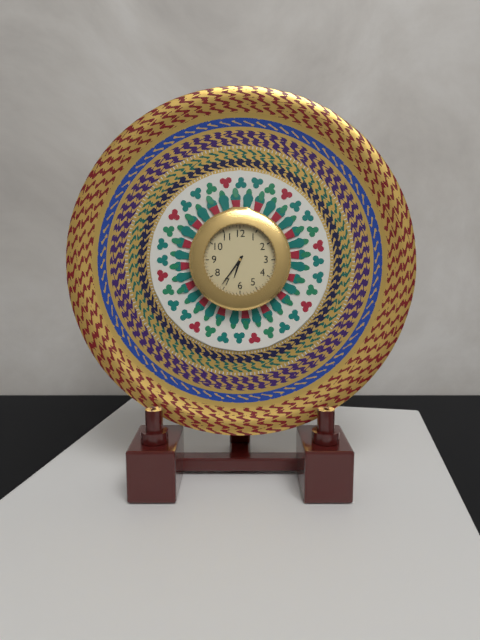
6:36
